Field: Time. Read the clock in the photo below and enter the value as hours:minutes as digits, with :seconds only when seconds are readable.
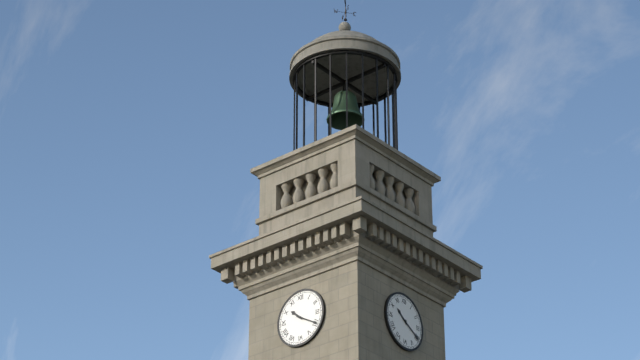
10:20
